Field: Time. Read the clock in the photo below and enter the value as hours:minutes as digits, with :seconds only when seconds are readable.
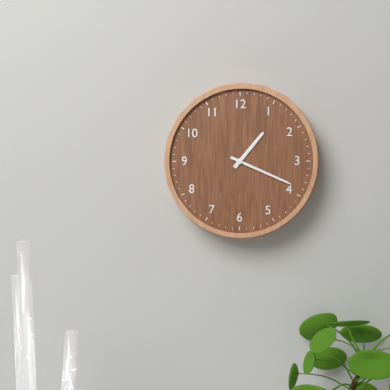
1:19
